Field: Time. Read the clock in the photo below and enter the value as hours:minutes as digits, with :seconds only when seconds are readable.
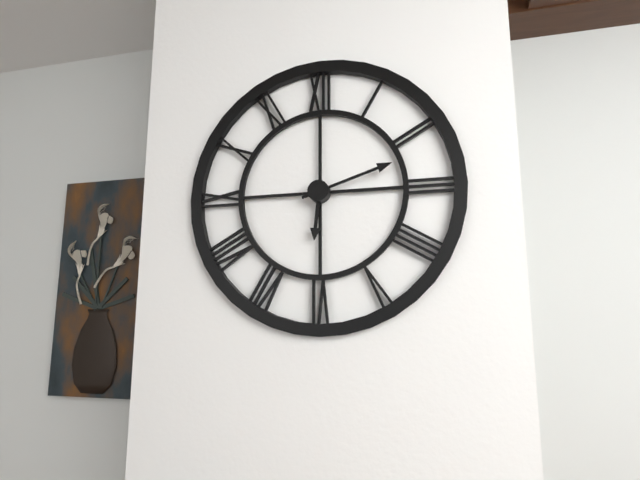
6:12
